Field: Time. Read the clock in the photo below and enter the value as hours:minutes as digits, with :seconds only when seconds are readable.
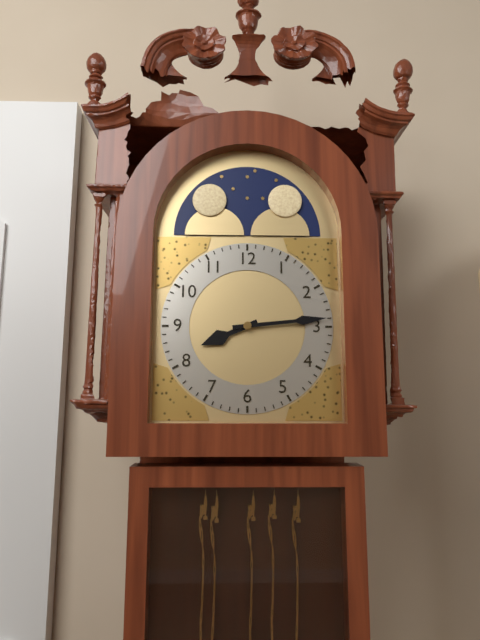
8:14
